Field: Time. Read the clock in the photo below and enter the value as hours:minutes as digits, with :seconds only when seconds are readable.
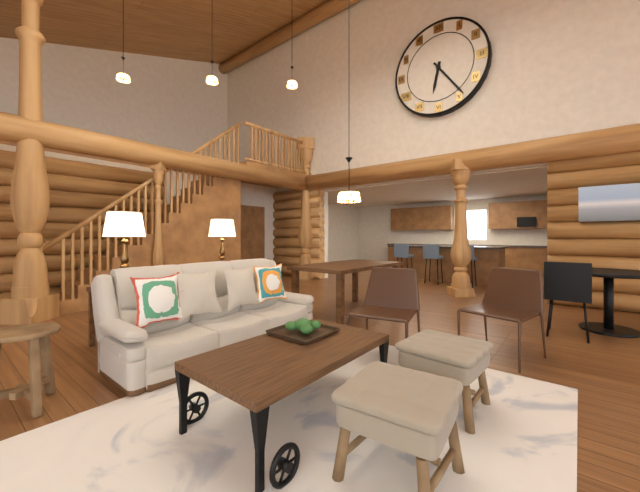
6:24
